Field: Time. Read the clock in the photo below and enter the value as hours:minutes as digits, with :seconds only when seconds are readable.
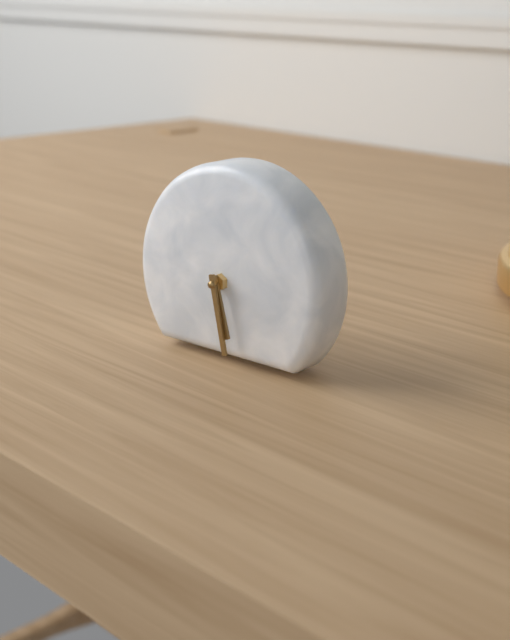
5:28
